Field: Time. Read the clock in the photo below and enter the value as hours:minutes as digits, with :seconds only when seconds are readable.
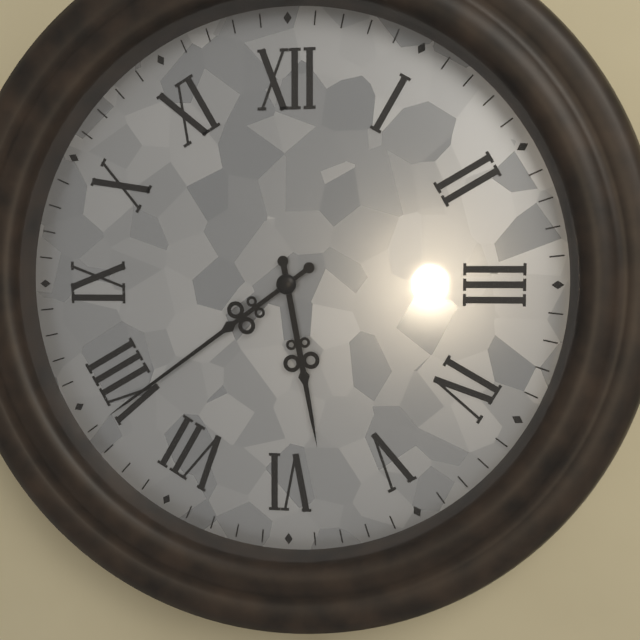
5:39
